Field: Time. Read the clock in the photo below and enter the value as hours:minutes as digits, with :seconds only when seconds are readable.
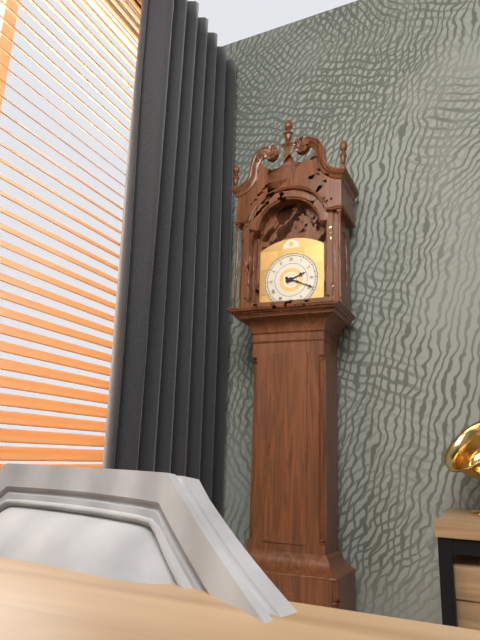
2:19
